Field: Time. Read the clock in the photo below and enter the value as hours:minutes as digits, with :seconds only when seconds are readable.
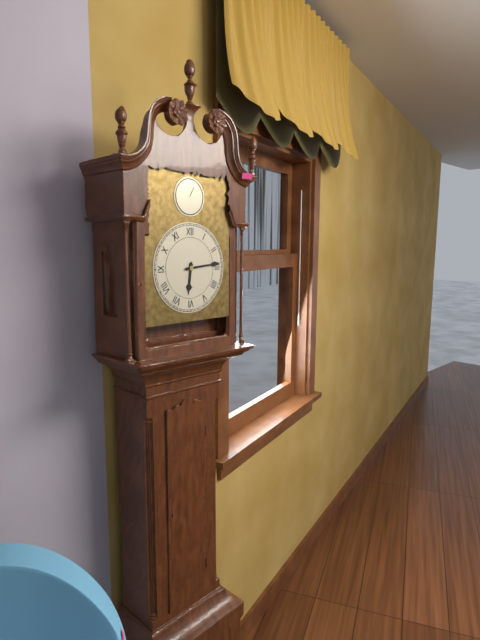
6:14
